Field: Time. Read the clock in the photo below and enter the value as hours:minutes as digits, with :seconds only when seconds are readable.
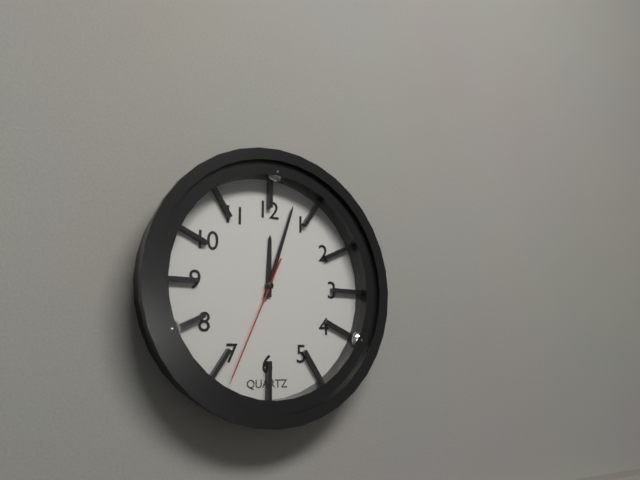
12:03:34
